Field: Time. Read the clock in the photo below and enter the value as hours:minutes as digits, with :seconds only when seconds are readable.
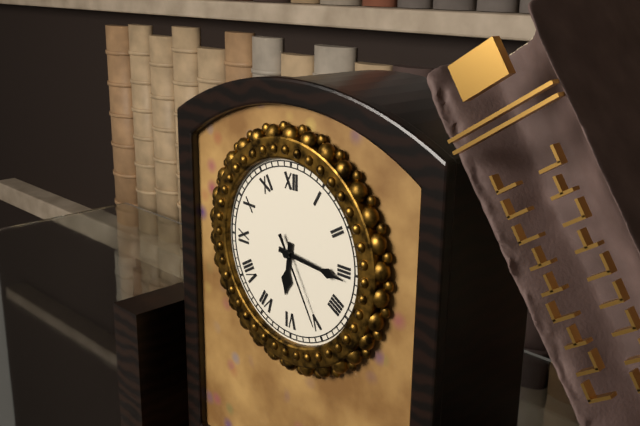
6:16:25
